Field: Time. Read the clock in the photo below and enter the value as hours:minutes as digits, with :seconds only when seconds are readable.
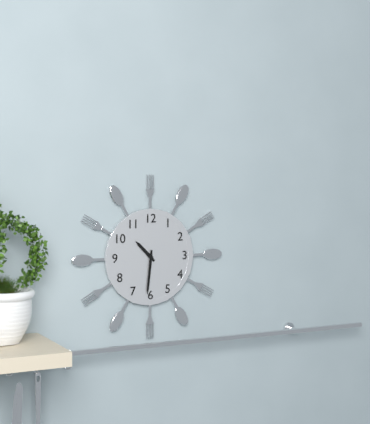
10:31
